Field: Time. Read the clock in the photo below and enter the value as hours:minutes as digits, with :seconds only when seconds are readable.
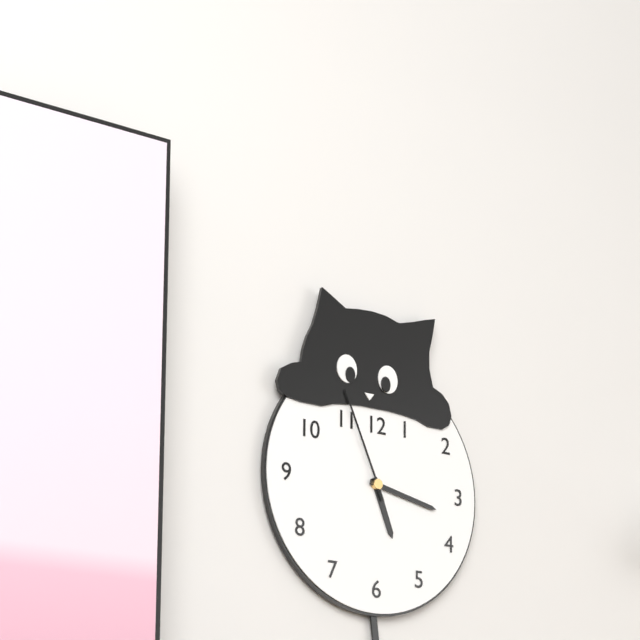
5:17:56
